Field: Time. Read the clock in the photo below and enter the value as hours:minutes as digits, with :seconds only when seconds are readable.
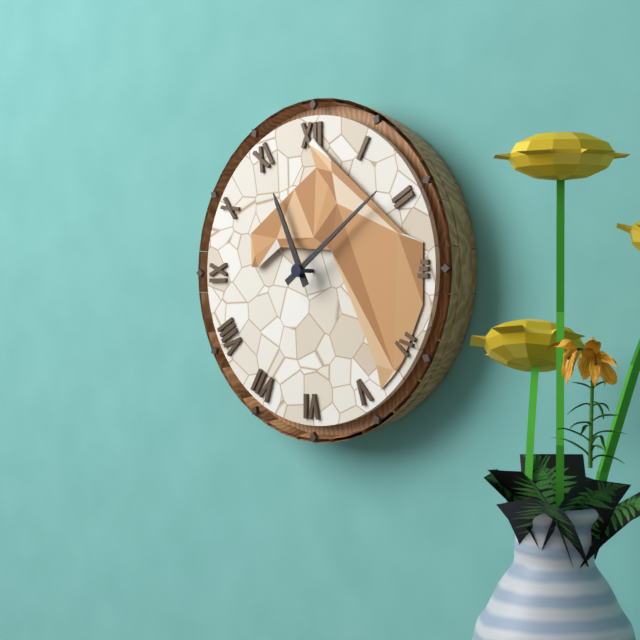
11:09
